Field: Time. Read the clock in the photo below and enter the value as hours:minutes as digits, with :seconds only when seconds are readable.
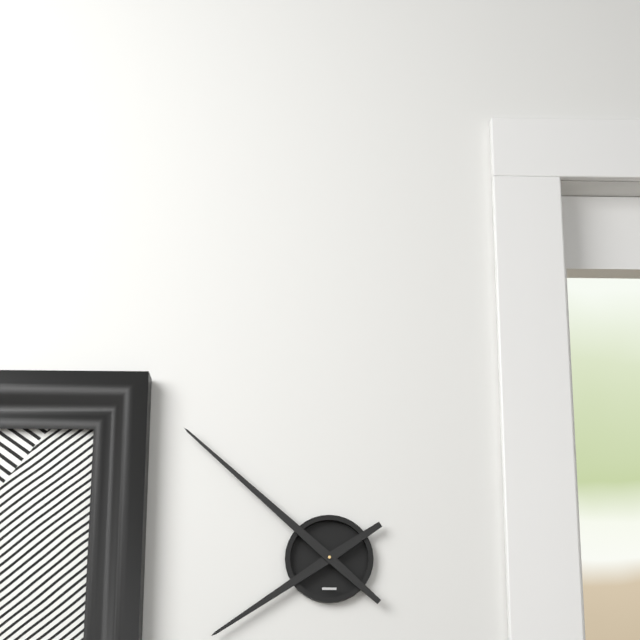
7:52
